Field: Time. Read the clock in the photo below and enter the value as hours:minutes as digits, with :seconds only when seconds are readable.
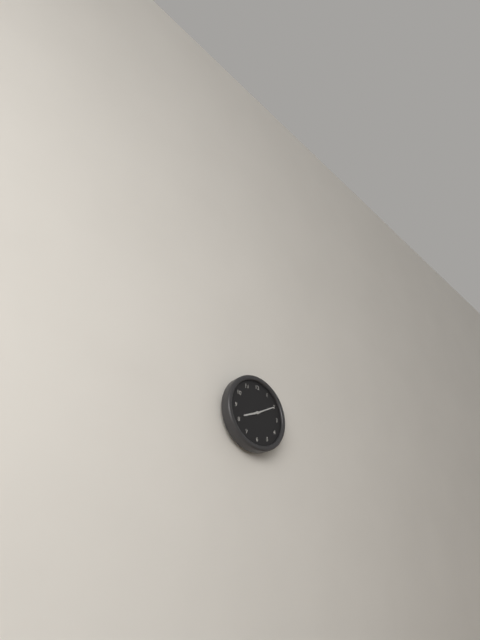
8:10
